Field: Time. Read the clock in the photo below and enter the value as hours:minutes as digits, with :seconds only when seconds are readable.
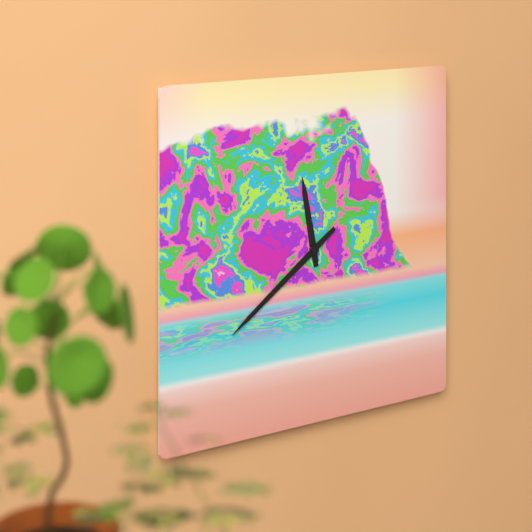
11:39
